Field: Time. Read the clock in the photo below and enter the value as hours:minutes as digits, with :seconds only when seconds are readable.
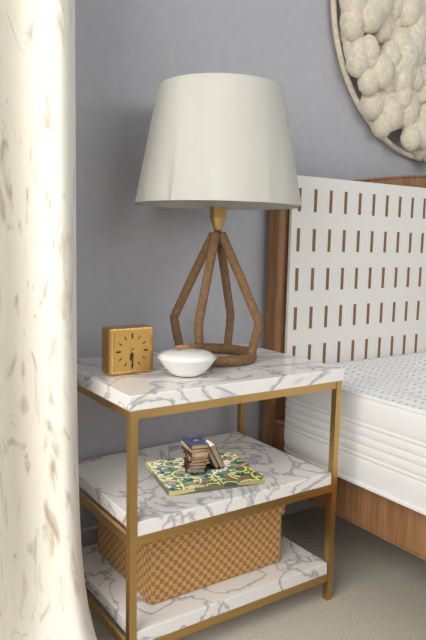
6:30
